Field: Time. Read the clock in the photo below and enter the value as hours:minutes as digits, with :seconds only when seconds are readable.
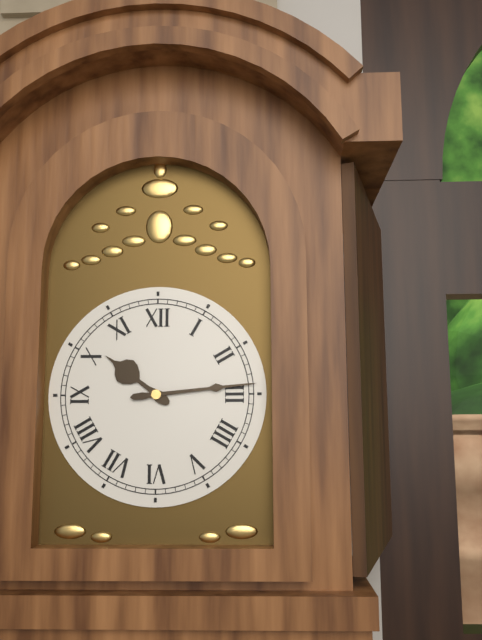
10:14
